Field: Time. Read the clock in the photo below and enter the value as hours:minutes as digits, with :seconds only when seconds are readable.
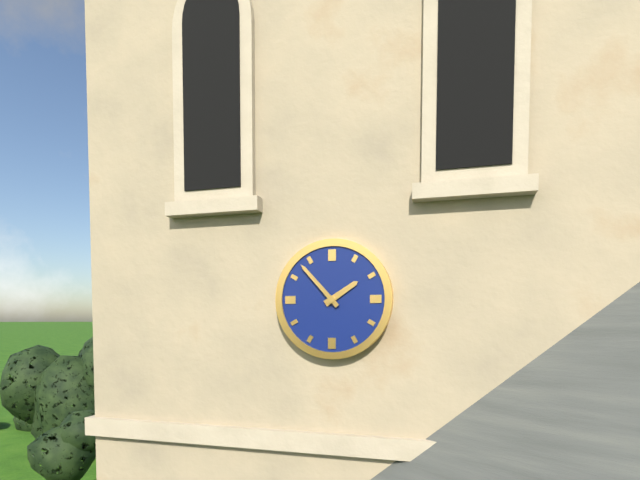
1:53
